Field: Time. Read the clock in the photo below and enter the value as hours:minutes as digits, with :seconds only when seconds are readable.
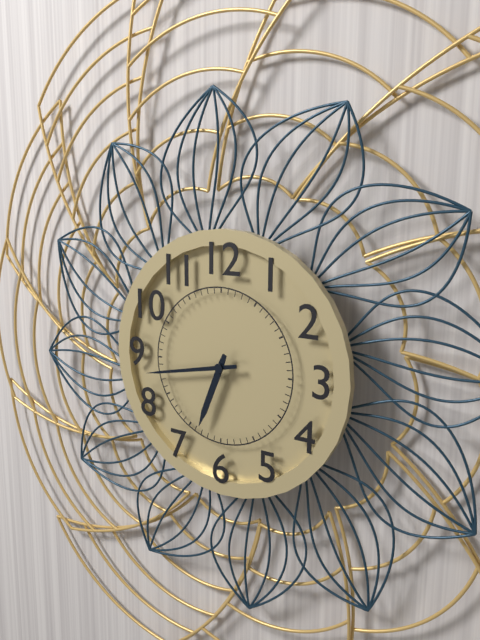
6:43
